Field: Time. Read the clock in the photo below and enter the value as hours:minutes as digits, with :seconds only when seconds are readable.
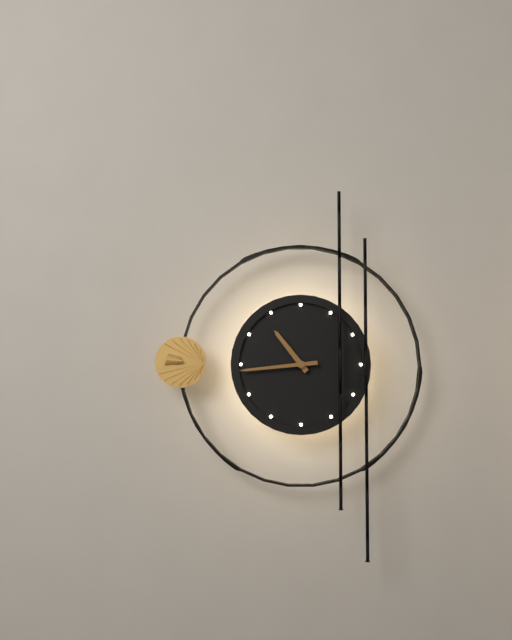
10:44
